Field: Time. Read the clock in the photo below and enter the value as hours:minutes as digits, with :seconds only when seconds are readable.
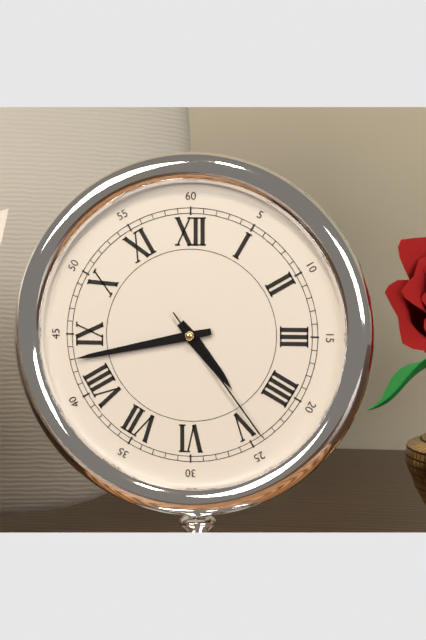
4:43:24
